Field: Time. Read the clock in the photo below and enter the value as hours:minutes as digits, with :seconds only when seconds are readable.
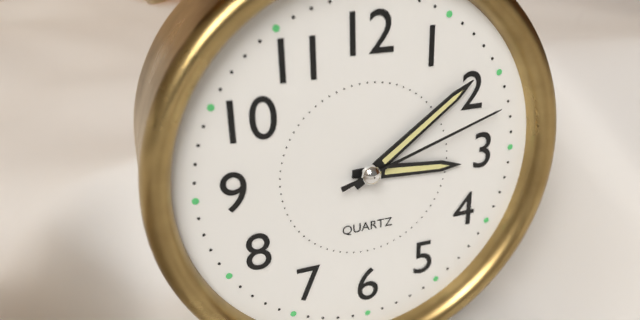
3:09:12
